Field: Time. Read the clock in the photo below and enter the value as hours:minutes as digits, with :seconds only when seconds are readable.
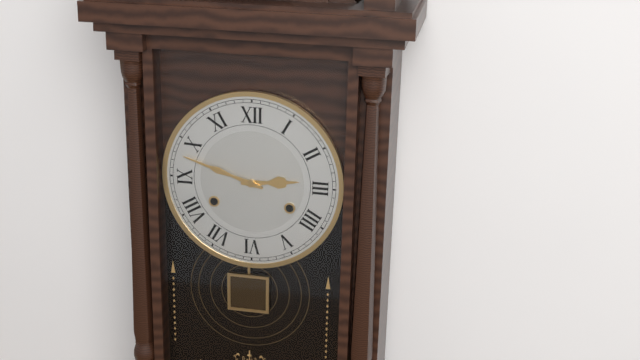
2:48
